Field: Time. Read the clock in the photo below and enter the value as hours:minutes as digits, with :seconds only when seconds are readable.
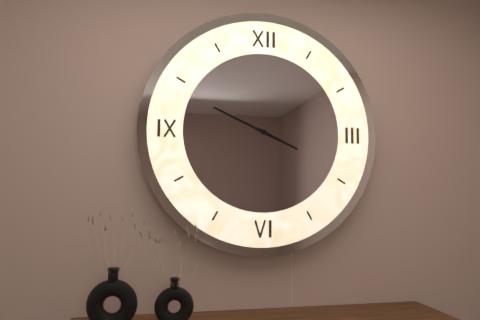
3:49
